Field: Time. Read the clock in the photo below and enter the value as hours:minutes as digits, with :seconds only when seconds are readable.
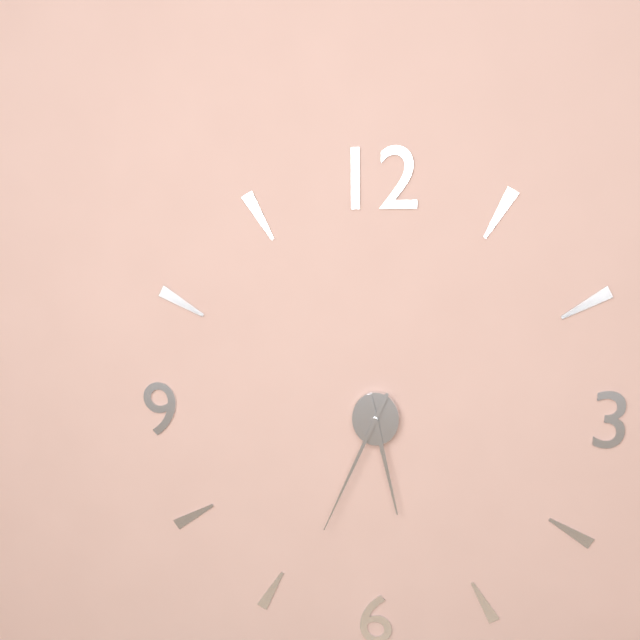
5:34
